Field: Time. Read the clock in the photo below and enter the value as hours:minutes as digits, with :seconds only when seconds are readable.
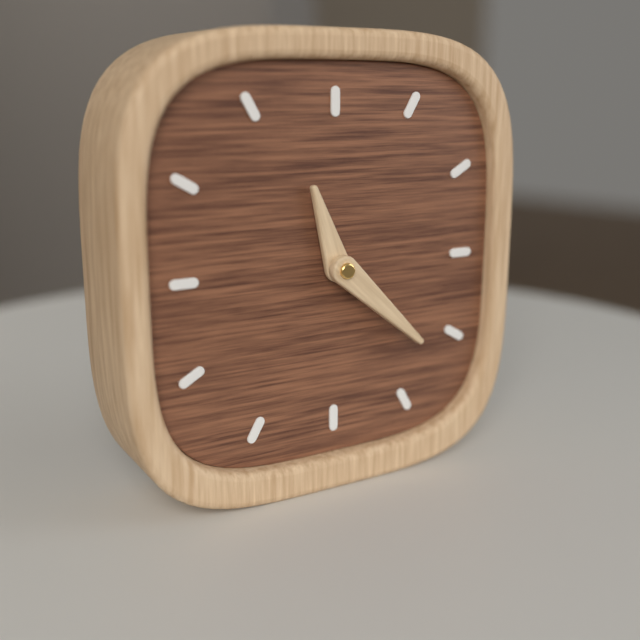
11:22
